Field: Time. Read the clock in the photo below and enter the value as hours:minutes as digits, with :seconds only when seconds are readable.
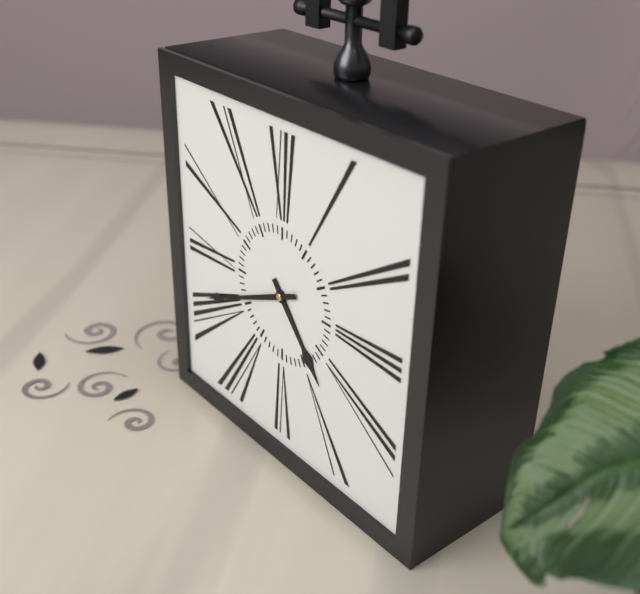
4:41
